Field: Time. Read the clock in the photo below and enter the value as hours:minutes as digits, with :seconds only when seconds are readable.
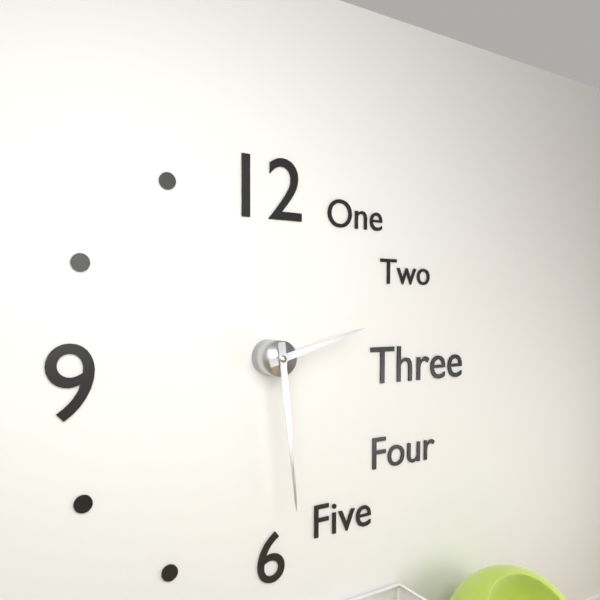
2:29
